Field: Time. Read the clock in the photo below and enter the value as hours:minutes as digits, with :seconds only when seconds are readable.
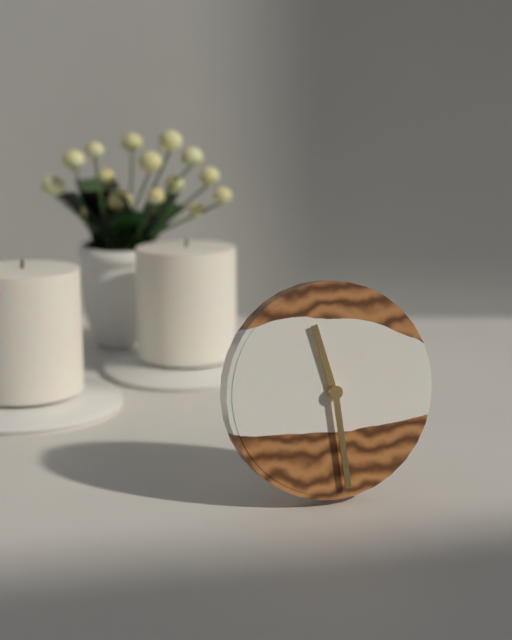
11:29
